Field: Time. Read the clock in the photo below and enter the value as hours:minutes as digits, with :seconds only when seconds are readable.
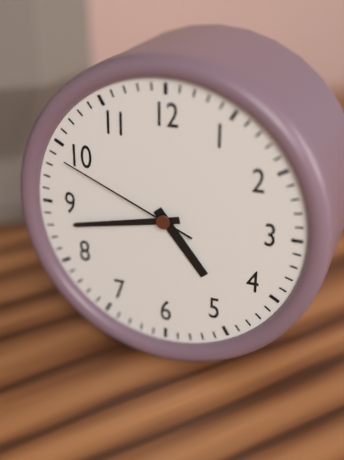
4:43:49
